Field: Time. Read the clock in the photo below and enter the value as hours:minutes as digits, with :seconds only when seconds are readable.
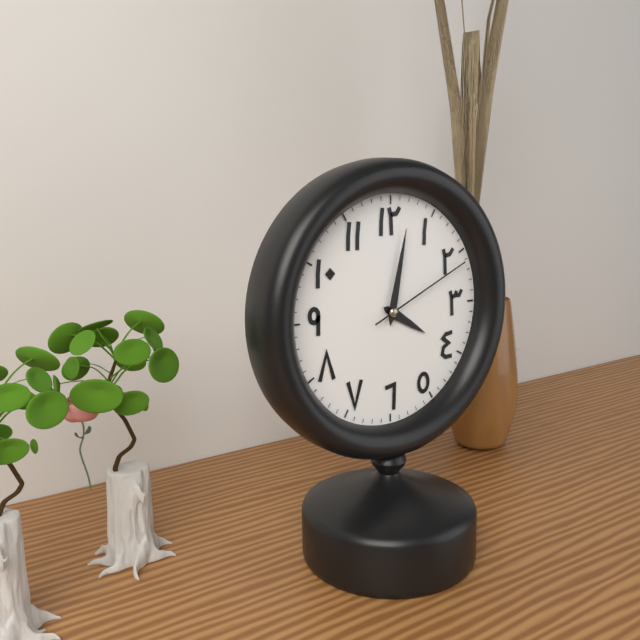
4:02:11
